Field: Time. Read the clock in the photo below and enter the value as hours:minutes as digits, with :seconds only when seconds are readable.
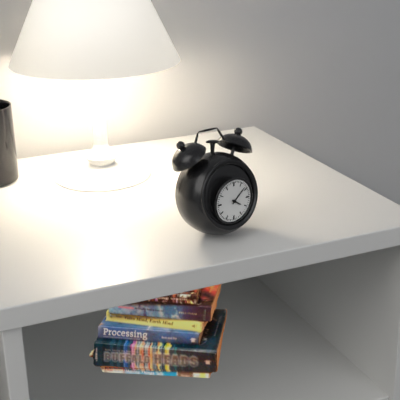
4:08
